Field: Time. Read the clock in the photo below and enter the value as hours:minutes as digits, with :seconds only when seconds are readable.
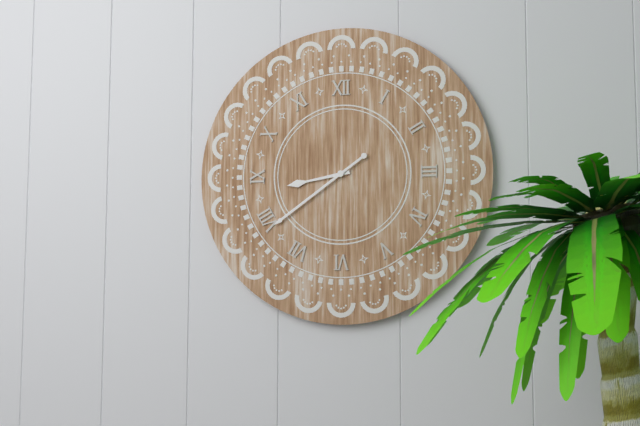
8:39
